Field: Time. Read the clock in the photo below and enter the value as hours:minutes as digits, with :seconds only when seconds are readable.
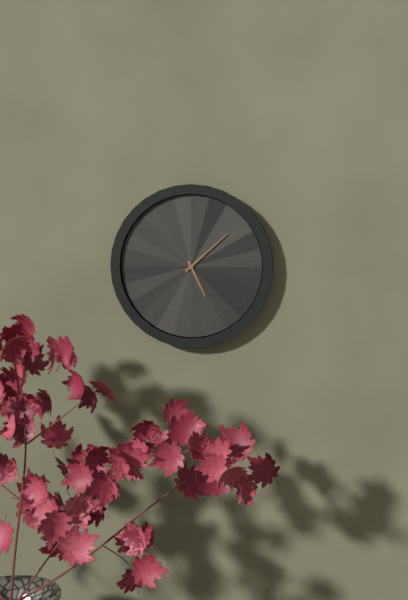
5:08
